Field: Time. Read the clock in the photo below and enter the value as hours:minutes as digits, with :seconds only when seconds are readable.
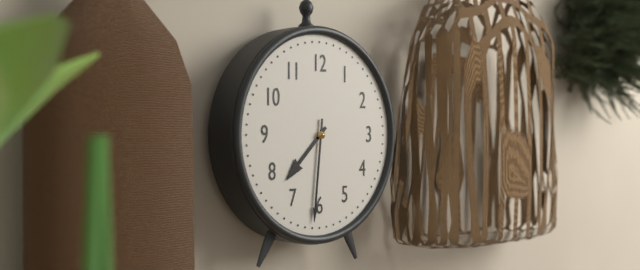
7:31
